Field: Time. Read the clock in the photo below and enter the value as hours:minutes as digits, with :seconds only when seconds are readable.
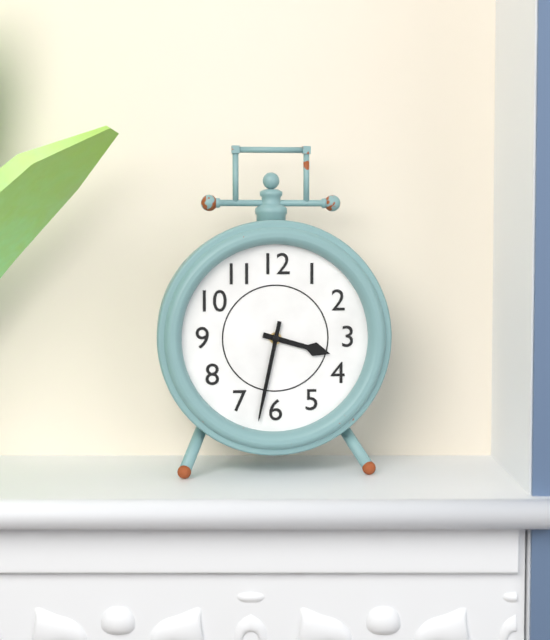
3:32
